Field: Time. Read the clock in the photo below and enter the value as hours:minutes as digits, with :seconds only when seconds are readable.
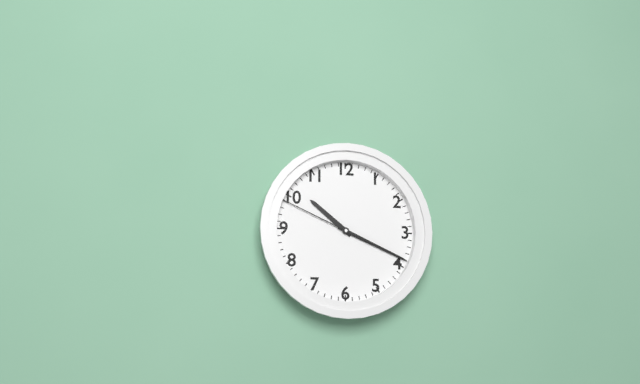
10:19:49
